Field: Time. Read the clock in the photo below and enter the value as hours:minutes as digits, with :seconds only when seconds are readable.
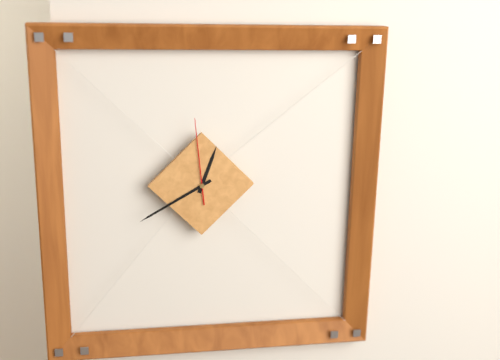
12:40:59
